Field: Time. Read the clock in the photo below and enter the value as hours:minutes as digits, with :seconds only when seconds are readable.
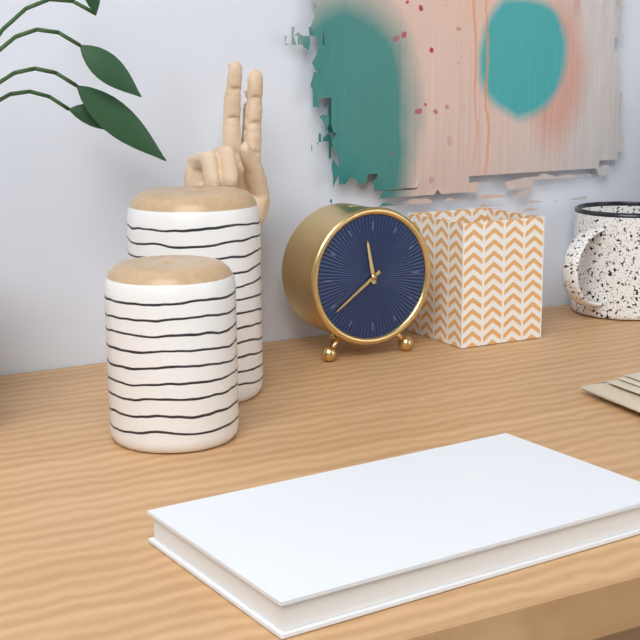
11:39
